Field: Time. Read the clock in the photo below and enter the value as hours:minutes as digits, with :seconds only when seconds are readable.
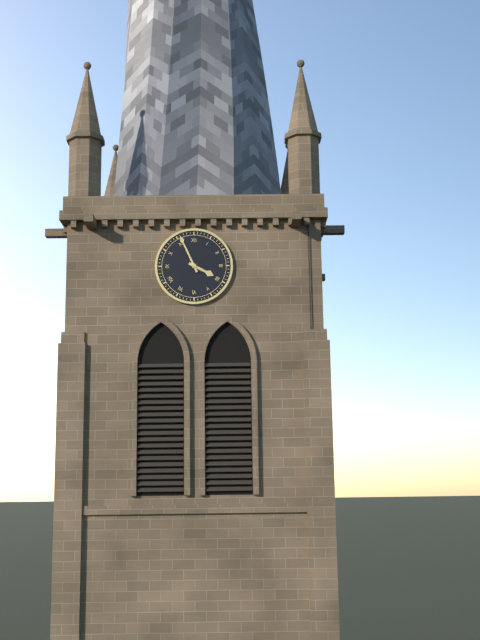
3:56
